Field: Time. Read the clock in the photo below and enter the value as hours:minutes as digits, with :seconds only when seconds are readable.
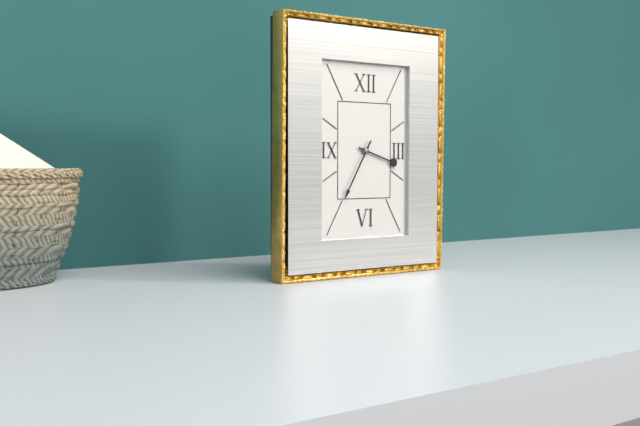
3:35
